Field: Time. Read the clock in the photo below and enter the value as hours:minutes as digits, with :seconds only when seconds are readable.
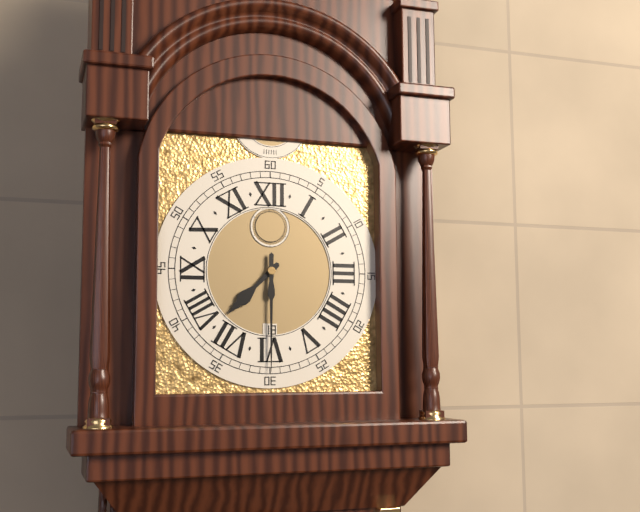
7:30
